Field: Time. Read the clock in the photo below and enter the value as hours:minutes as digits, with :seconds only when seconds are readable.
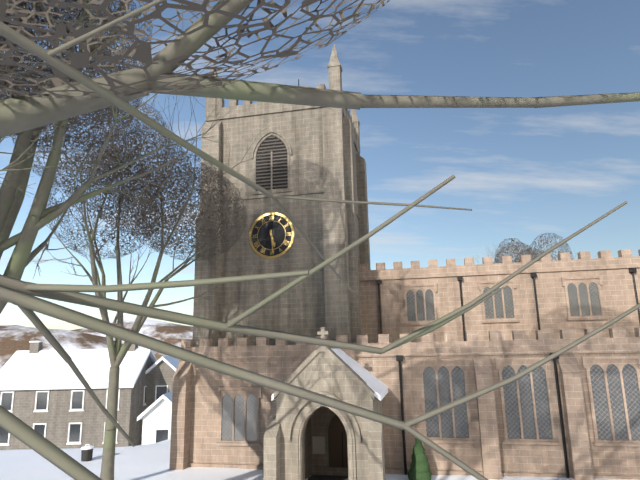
5:29
